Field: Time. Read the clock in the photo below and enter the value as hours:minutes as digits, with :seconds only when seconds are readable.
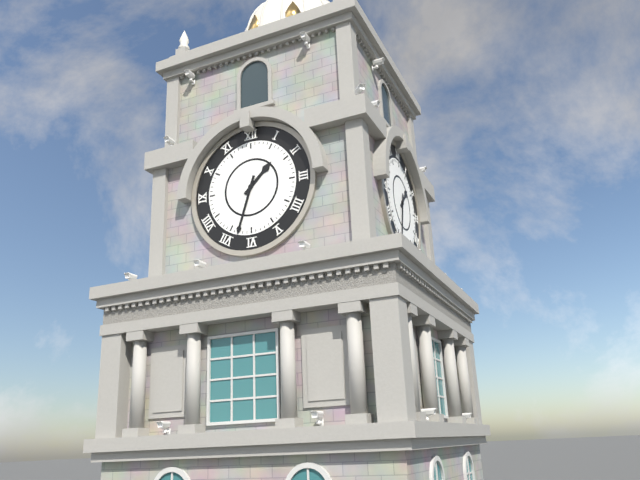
1:33
